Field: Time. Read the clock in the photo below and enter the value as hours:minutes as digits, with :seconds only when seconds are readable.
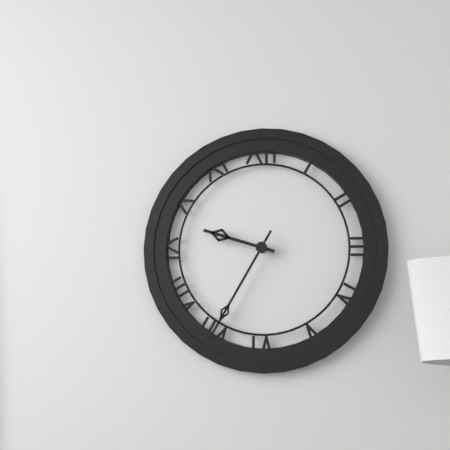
9:35
